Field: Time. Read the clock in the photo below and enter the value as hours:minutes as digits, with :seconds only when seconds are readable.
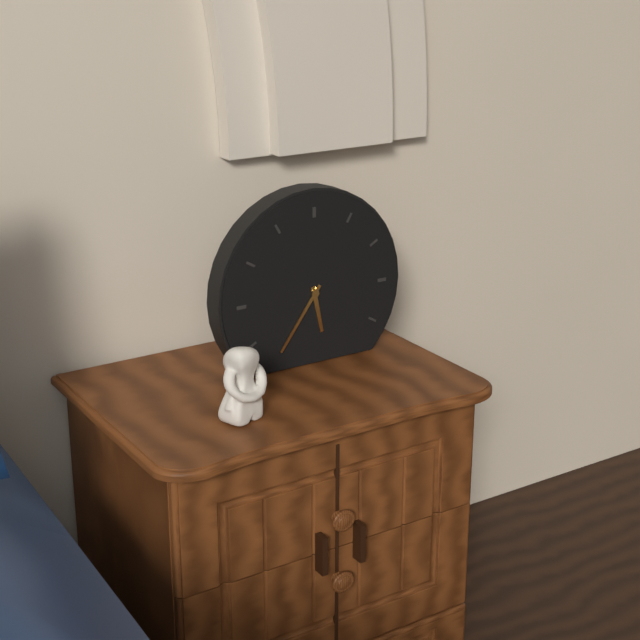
5:36
